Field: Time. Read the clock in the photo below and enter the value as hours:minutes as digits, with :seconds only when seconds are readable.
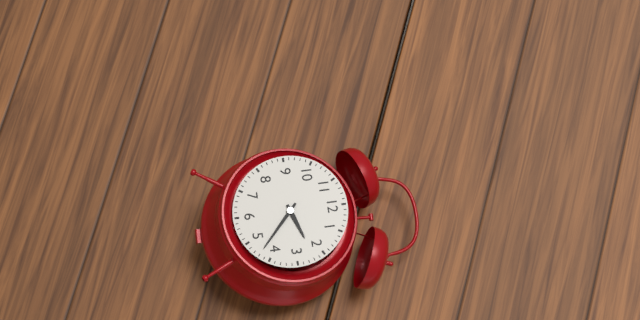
2:22
